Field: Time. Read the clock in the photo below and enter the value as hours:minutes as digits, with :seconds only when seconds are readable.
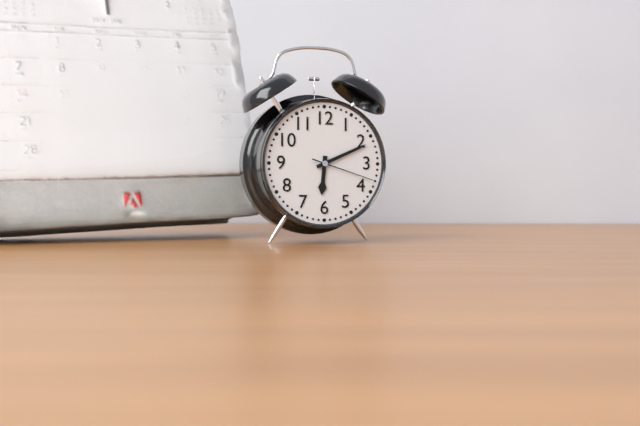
6:11:18
